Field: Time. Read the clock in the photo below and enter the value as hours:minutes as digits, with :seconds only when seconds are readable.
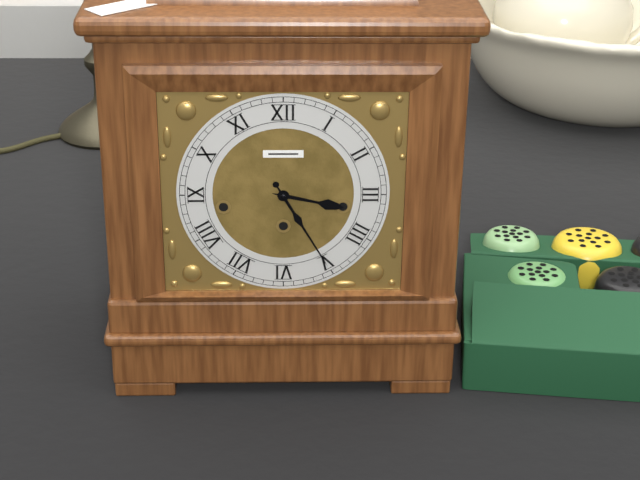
3:25
